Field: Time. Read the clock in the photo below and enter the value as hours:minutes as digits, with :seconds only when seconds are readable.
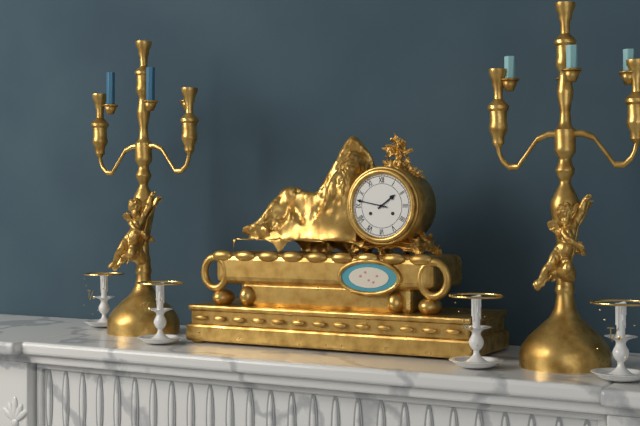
1:47
